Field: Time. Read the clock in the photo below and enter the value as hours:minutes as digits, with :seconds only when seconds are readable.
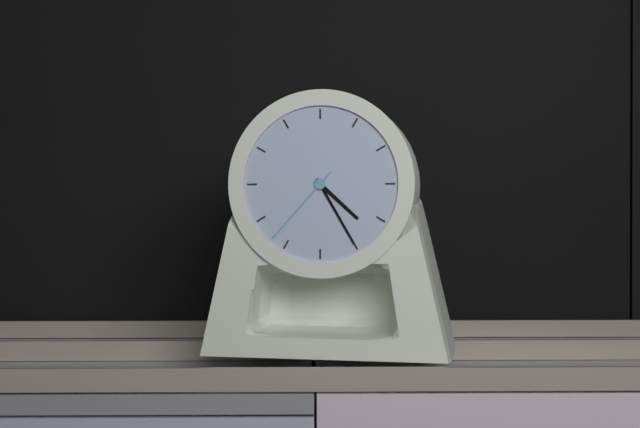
4:25:37
